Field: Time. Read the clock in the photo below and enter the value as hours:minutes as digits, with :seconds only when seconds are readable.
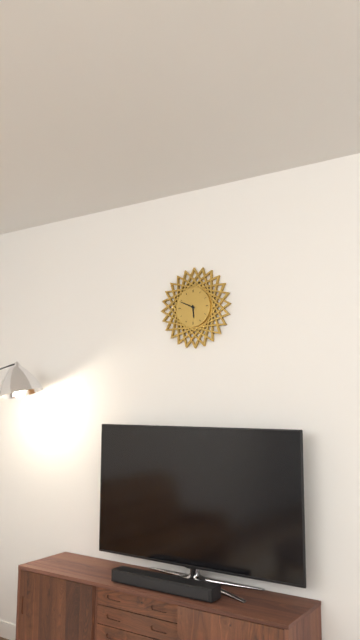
5:49
